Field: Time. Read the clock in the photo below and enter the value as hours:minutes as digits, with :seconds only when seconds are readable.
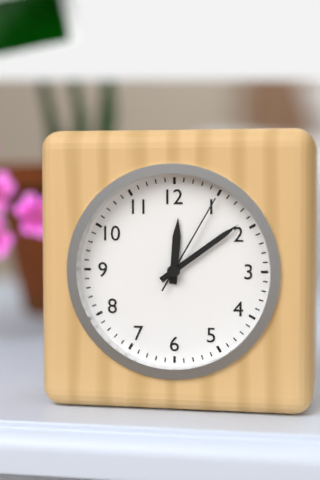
12:09:05
